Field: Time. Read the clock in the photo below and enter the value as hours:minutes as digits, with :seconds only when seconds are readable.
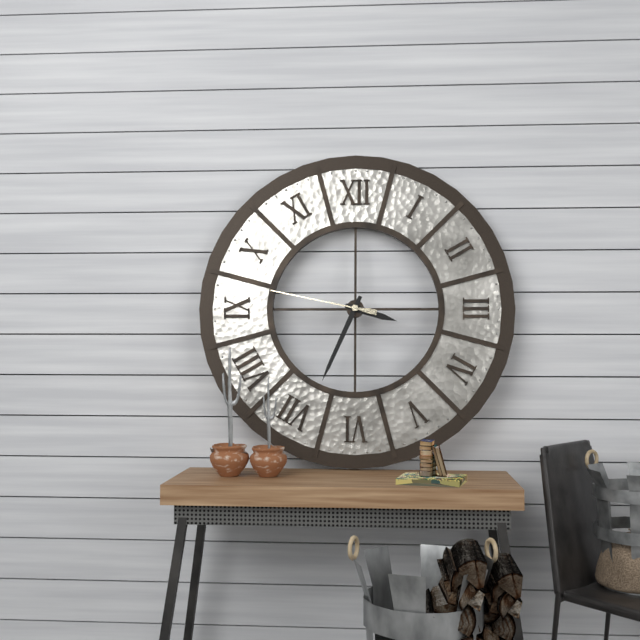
3:34:47
